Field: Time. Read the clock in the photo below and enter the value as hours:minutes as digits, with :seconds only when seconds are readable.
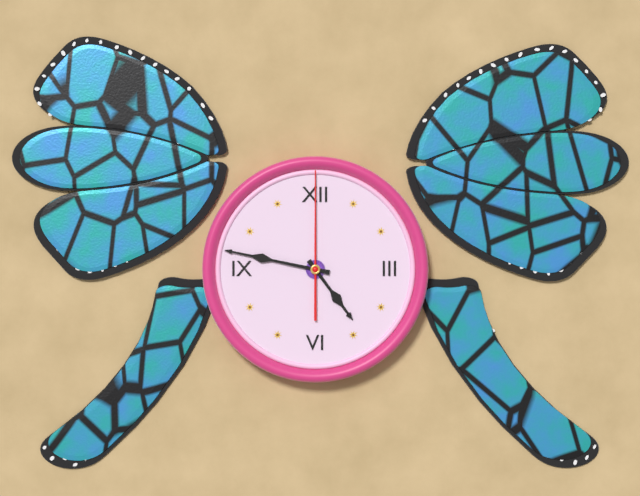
4:47:00
